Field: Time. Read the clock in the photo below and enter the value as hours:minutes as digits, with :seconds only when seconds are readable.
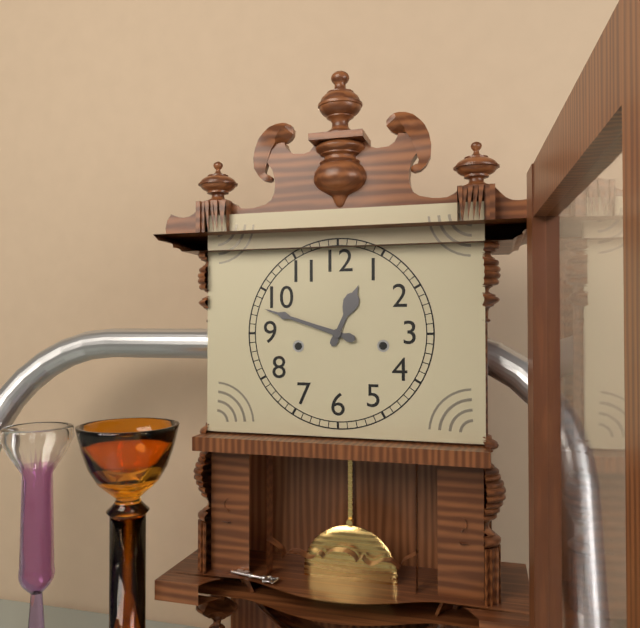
12:48
